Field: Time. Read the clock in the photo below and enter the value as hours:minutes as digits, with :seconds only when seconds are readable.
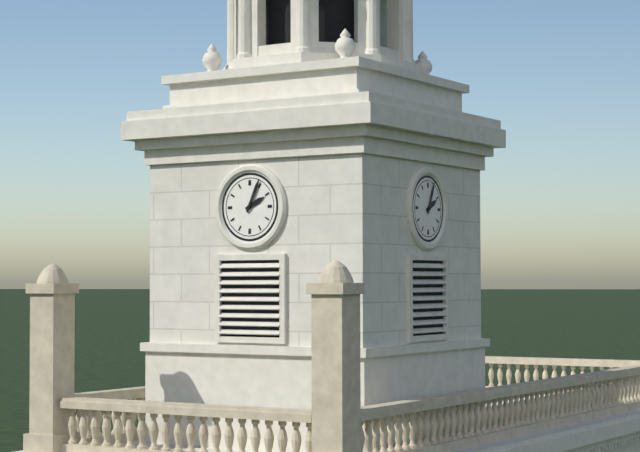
2:04
